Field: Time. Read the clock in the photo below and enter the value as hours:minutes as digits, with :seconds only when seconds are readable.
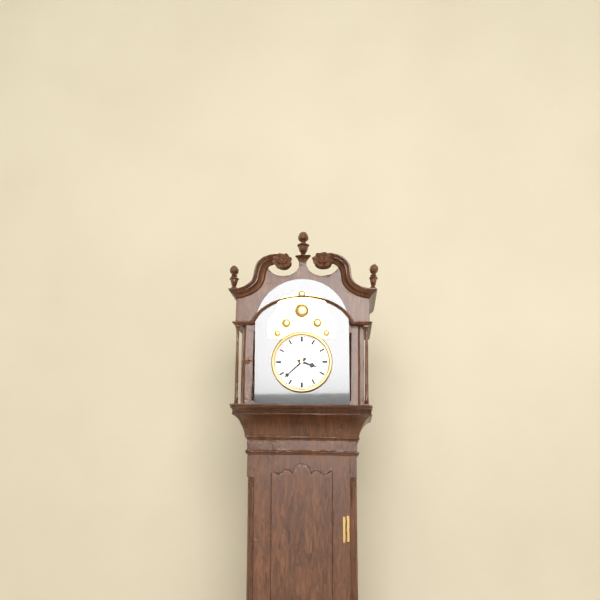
3:38
